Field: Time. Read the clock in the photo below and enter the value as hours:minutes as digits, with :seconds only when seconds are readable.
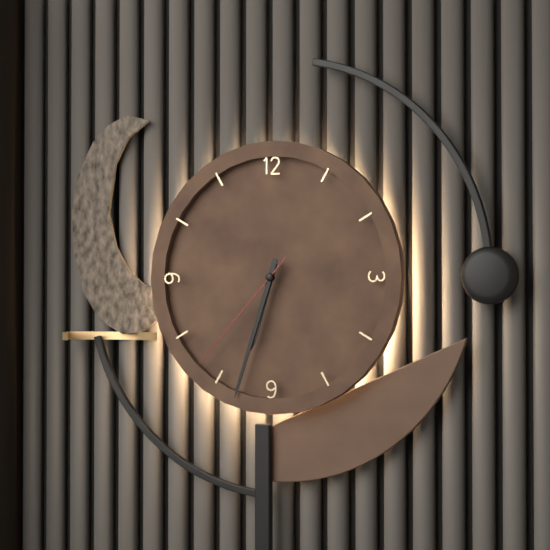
6:33:37
